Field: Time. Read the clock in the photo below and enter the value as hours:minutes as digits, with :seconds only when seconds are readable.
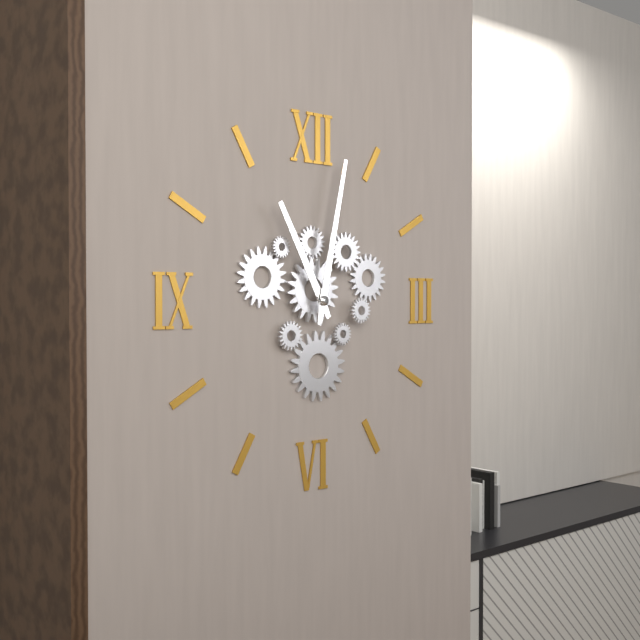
11:02
